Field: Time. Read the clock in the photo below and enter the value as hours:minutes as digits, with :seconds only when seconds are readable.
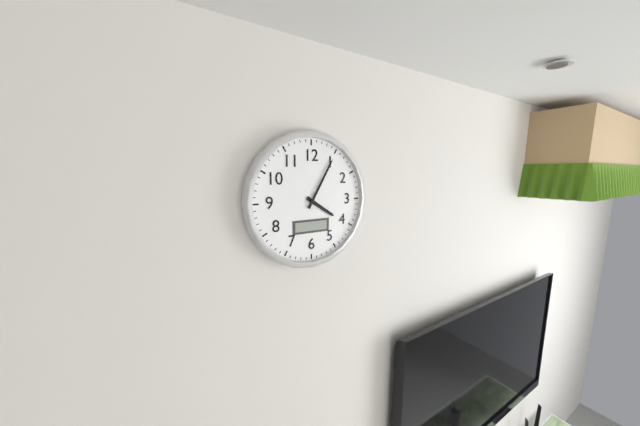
4:05
